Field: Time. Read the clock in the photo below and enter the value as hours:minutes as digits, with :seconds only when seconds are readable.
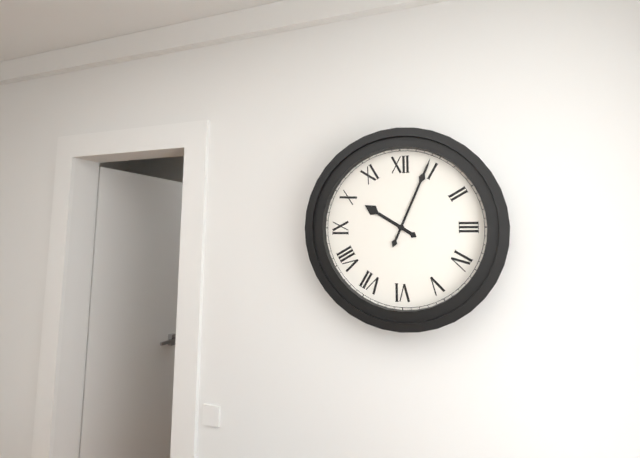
10:04
